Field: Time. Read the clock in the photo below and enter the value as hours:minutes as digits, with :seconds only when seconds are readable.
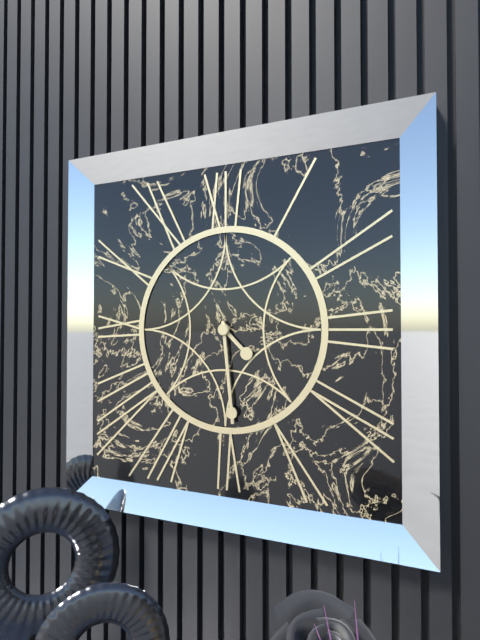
4:29
